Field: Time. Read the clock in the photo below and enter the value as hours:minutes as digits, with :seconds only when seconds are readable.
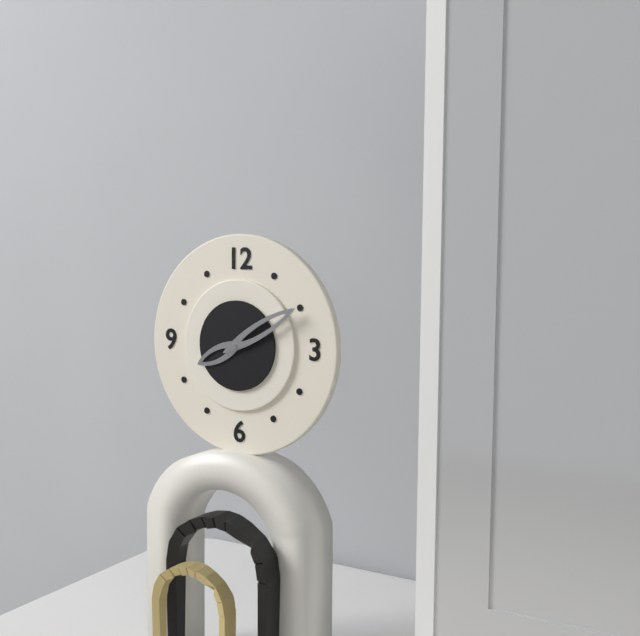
8:10
